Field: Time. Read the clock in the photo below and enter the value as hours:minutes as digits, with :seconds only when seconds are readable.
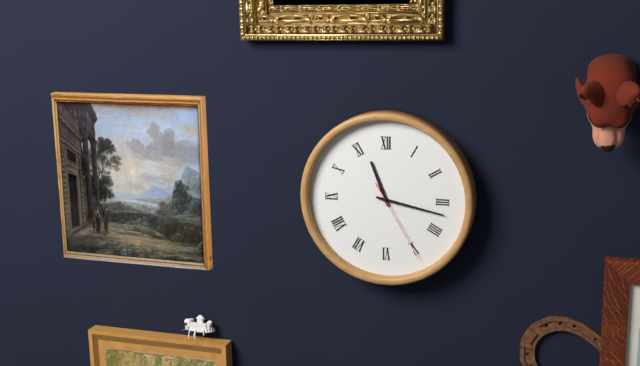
11:17:25
